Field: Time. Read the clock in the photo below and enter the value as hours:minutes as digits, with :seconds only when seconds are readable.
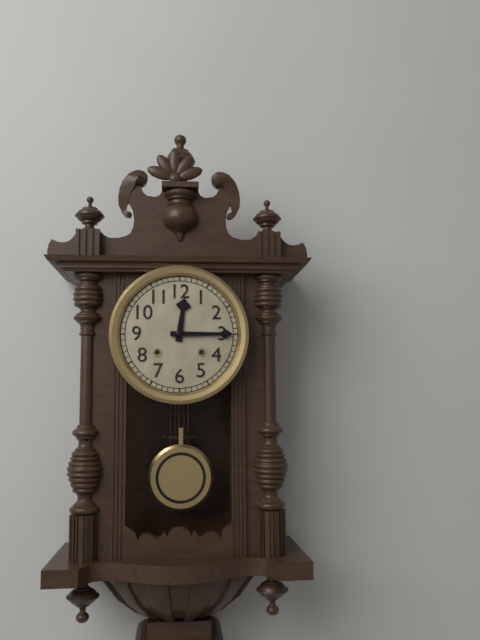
12:15
